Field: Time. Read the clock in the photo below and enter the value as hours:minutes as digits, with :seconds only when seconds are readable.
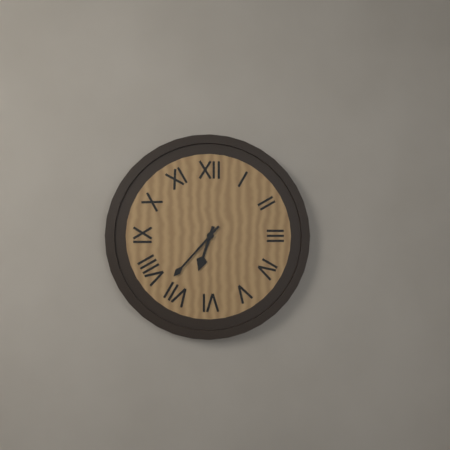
6:37
